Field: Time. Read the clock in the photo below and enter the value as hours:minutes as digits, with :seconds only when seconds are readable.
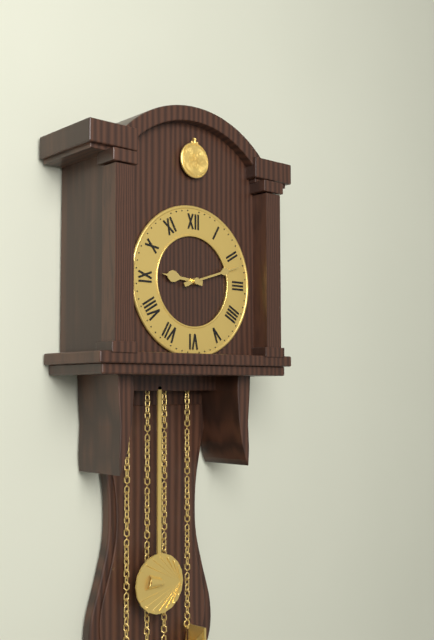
9:12
